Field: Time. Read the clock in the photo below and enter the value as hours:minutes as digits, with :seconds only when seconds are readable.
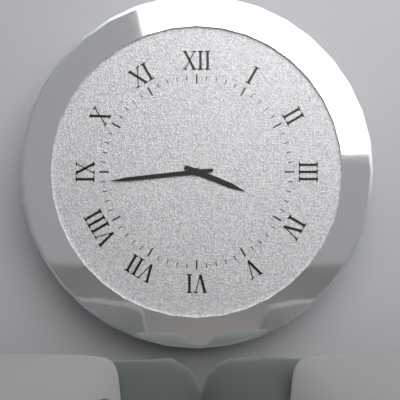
3:44
